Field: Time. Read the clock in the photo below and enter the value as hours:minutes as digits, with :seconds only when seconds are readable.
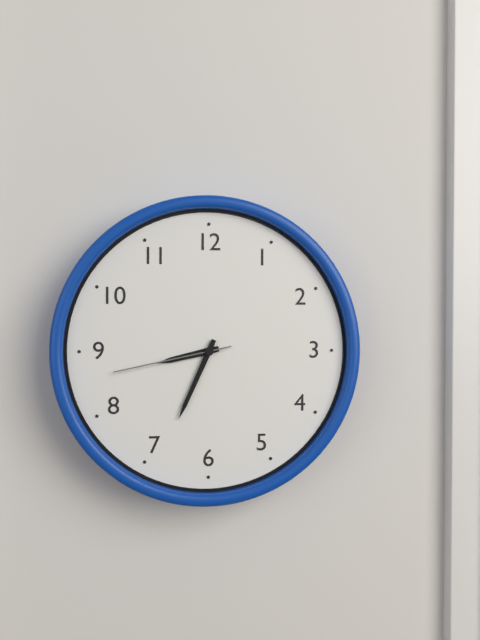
8:34:43
